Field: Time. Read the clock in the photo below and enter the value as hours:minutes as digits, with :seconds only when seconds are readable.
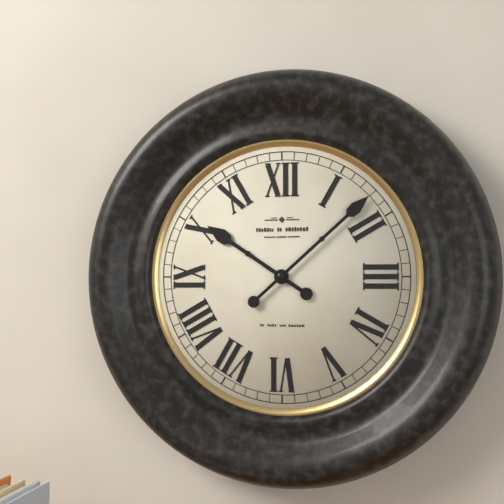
10:08
